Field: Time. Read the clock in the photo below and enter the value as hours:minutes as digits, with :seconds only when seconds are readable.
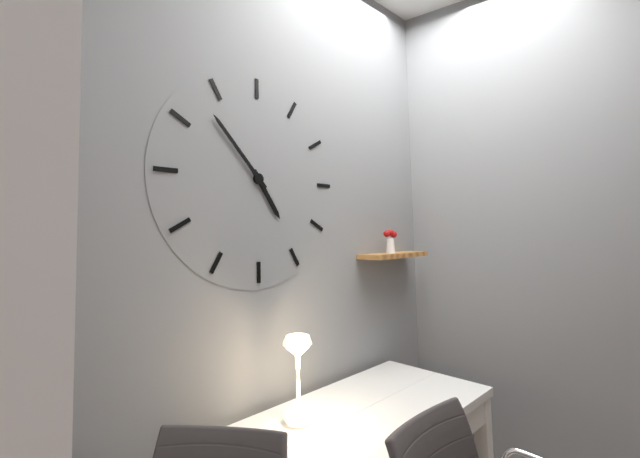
4:53
